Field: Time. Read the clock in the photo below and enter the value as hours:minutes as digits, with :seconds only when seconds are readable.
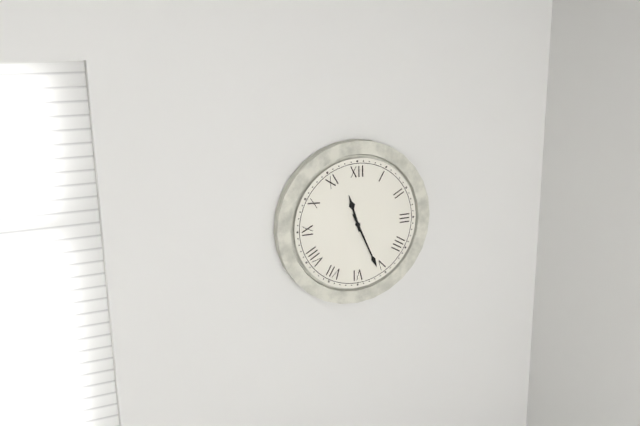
11:26
